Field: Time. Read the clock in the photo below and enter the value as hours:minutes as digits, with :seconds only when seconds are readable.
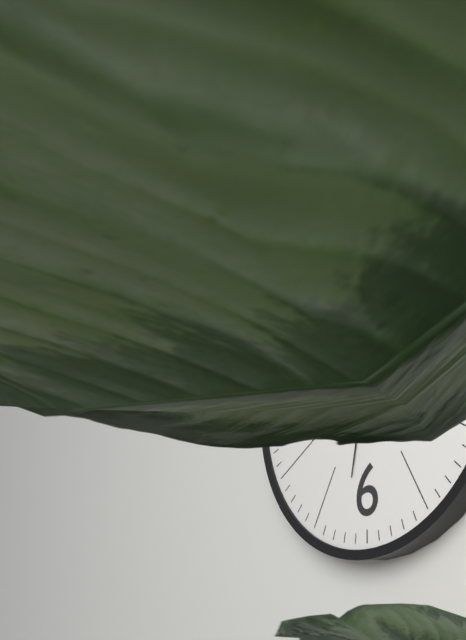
9:32
